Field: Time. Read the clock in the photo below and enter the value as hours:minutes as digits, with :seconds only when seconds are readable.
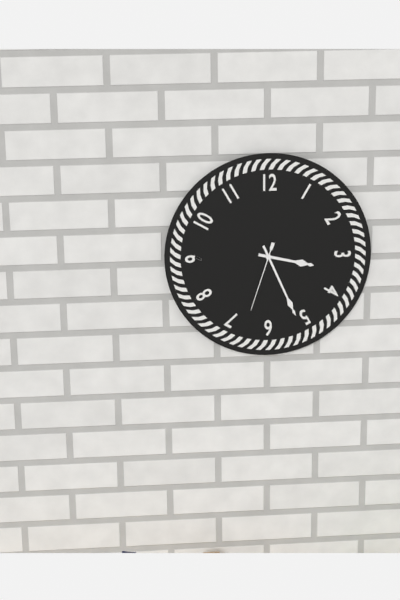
3:26:33
